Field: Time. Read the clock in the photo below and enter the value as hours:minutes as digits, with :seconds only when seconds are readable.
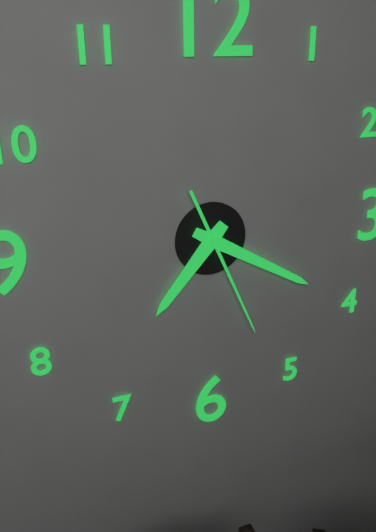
7:20:26
